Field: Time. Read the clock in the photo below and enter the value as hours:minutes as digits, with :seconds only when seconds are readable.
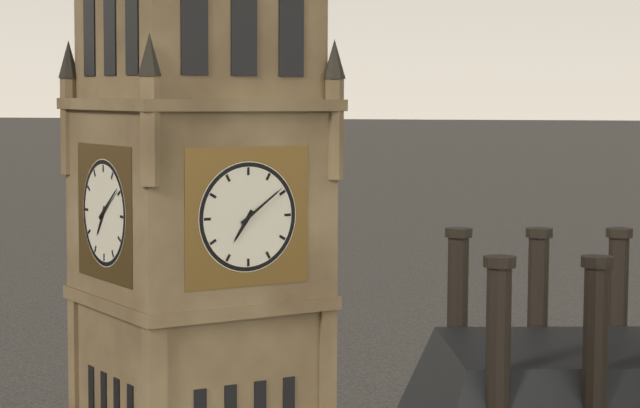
7:09
